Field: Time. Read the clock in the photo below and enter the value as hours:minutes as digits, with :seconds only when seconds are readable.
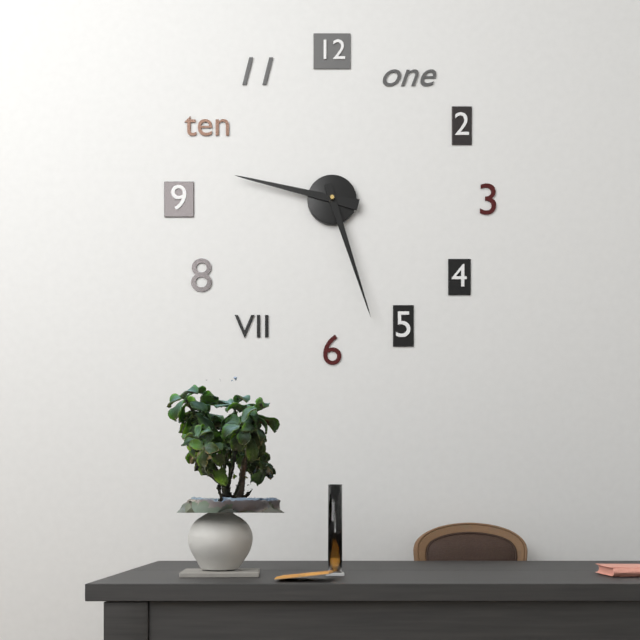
9:27
